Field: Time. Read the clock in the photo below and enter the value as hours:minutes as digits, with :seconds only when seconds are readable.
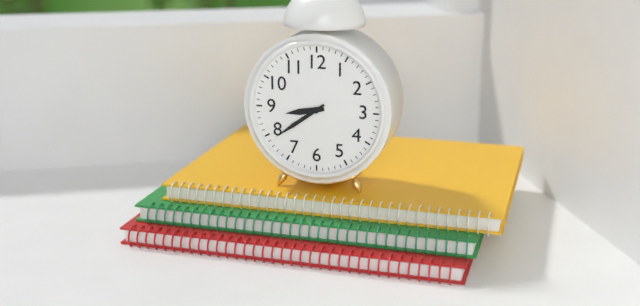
8:39
